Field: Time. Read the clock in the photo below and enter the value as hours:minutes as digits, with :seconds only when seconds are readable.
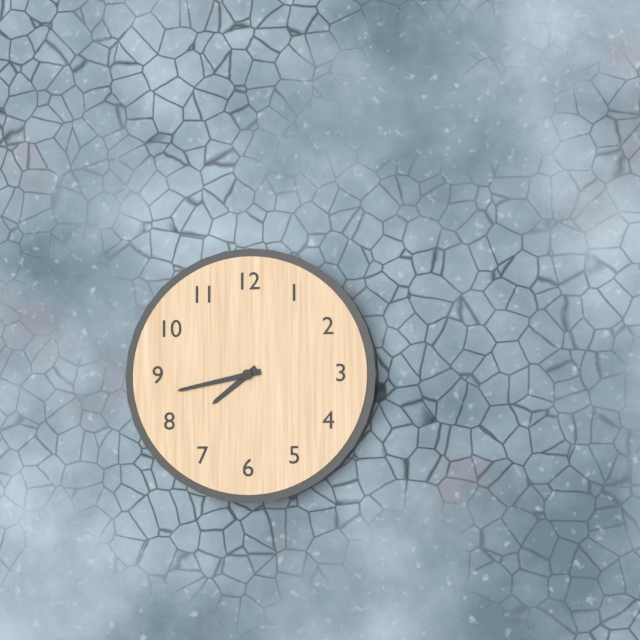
7:43
